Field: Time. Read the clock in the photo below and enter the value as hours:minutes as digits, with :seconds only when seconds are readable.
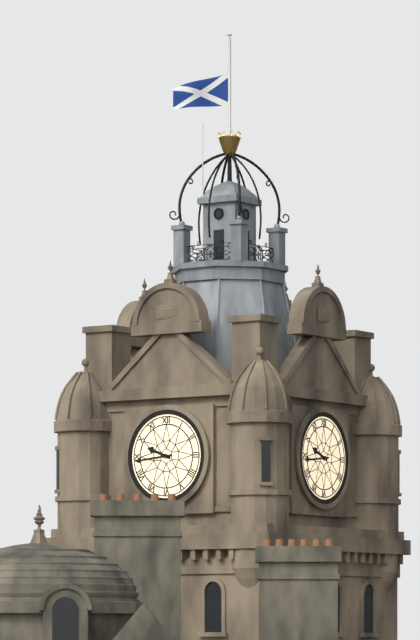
9:44
